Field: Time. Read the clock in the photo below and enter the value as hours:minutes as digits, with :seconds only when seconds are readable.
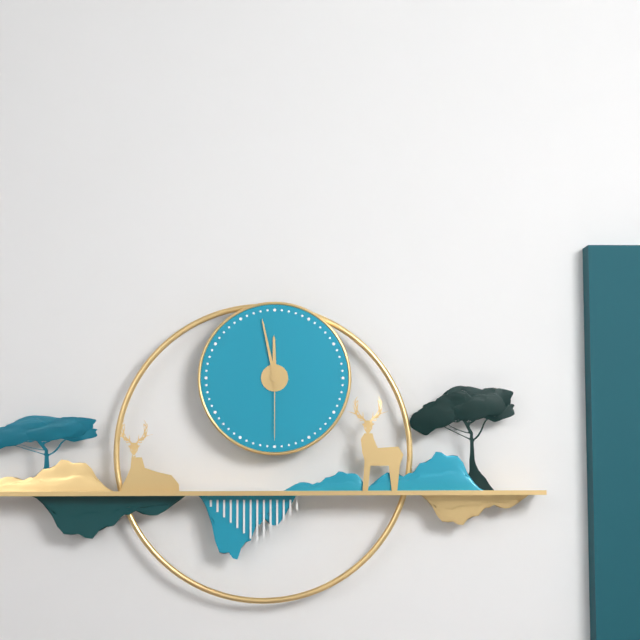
11:58:30
